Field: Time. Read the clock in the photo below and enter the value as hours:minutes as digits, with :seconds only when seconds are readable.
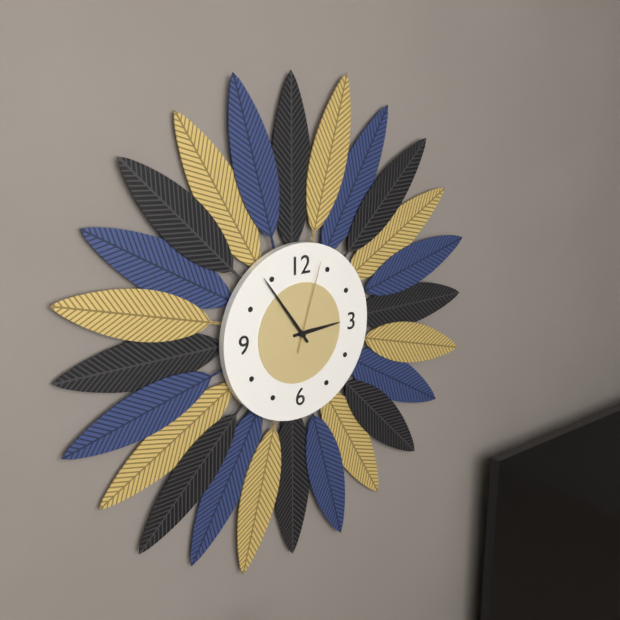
2:54:03
